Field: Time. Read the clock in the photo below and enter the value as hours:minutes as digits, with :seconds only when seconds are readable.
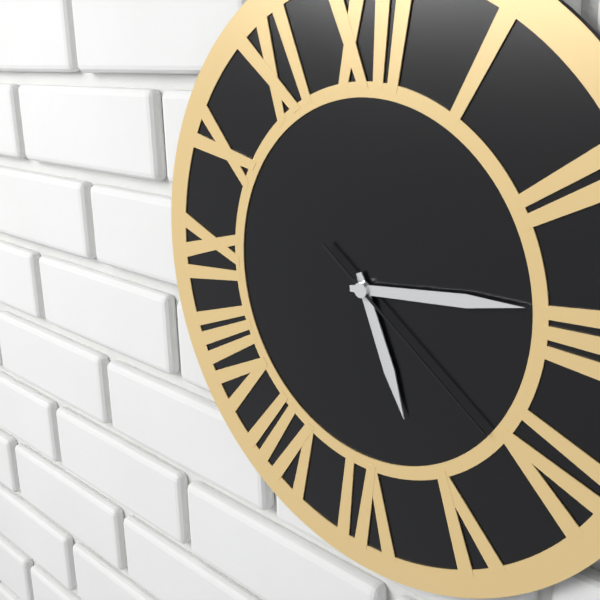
5:14:21
